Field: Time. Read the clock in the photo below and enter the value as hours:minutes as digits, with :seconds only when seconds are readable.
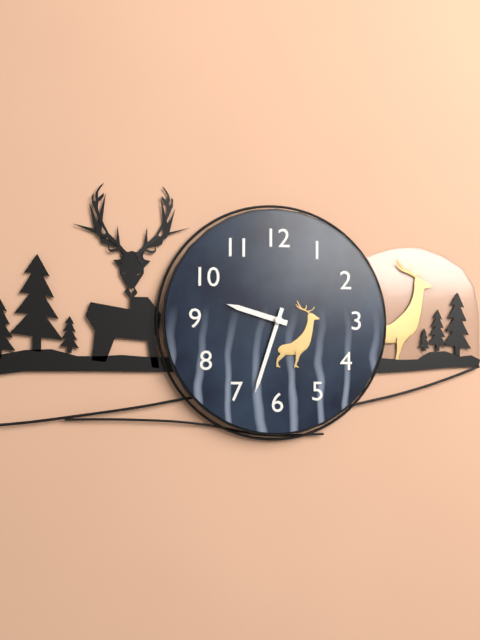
9:33
